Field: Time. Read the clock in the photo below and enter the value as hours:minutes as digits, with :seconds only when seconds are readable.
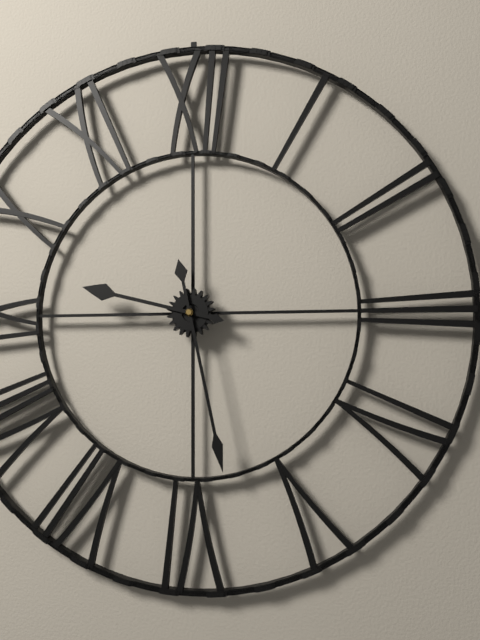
9:28
